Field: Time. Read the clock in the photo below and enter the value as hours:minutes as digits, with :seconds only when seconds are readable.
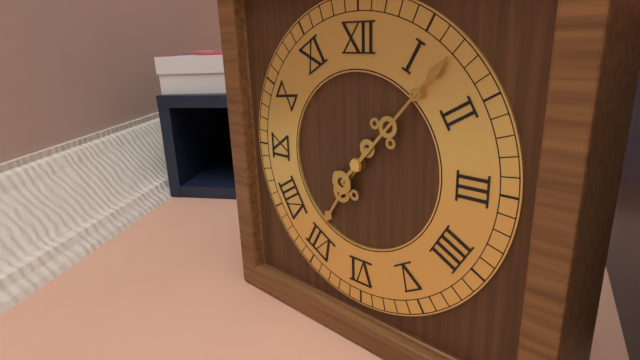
7:07
